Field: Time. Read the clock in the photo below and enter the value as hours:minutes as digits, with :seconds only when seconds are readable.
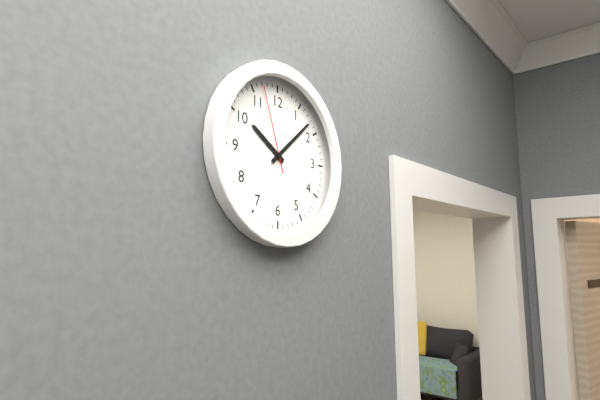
10:08:57
